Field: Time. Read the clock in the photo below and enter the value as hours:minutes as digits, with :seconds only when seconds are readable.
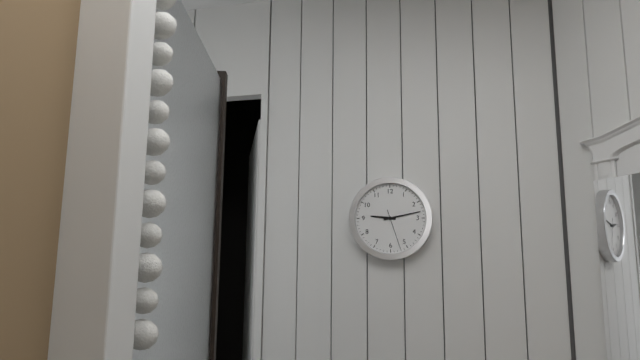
9:13
